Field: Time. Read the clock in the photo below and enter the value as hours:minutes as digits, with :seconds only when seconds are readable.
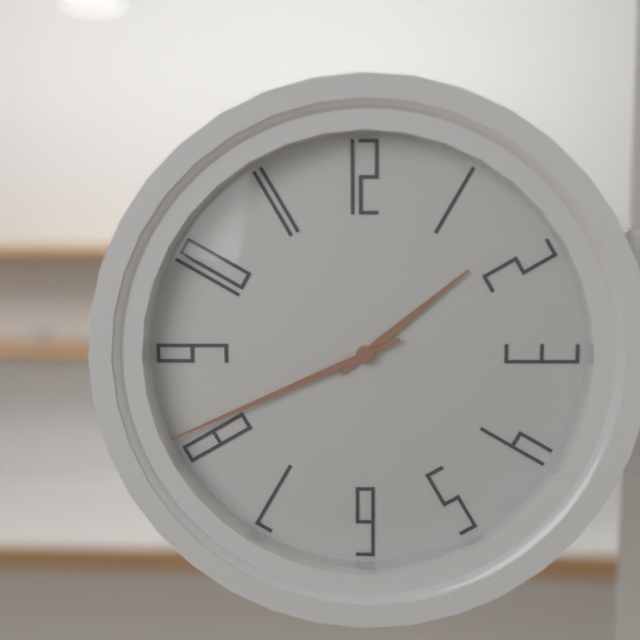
1:41
